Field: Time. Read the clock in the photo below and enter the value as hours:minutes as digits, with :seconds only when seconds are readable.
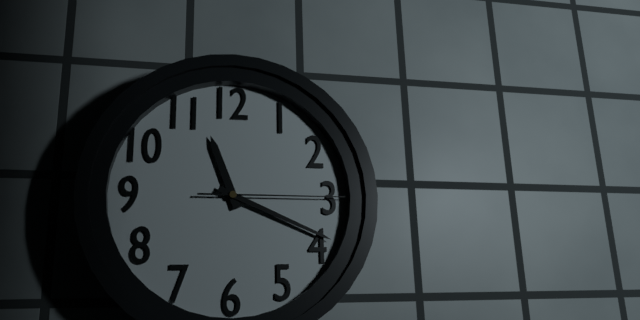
11:19:15
